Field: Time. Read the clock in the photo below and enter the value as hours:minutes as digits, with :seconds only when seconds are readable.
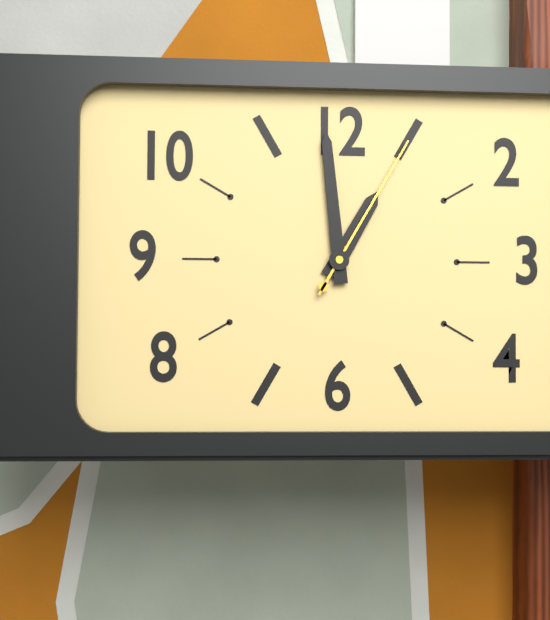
12:59:05
